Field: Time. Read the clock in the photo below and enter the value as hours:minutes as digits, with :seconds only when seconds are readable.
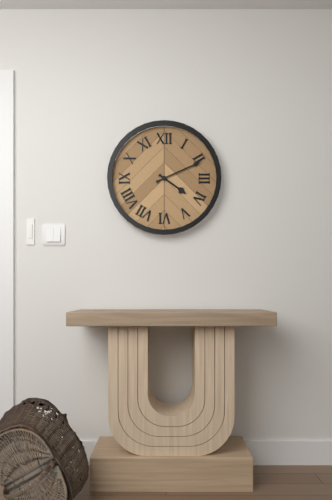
4:11
